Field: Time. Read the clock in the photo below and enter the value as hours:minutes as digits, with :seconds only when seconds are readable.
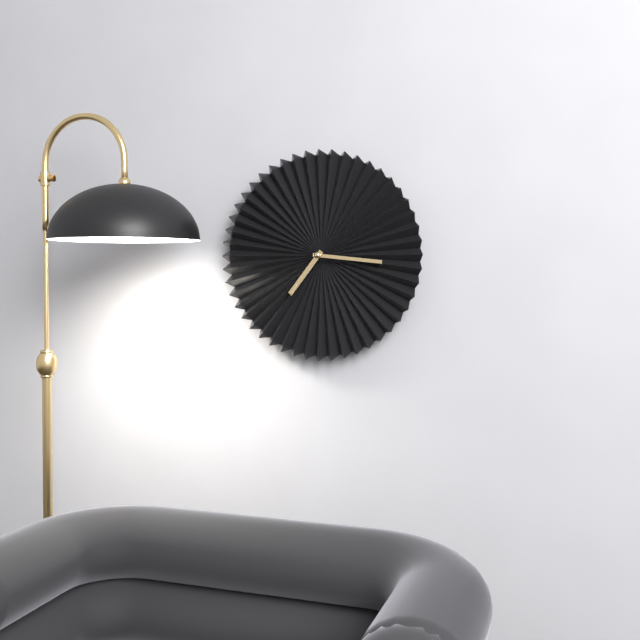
7:16
